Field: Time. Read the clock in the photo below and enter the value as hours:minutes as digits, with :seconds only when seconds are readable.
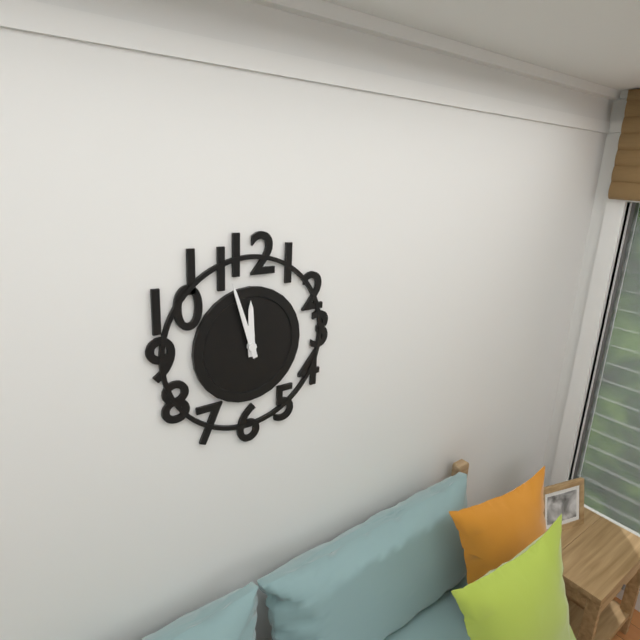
11:57
